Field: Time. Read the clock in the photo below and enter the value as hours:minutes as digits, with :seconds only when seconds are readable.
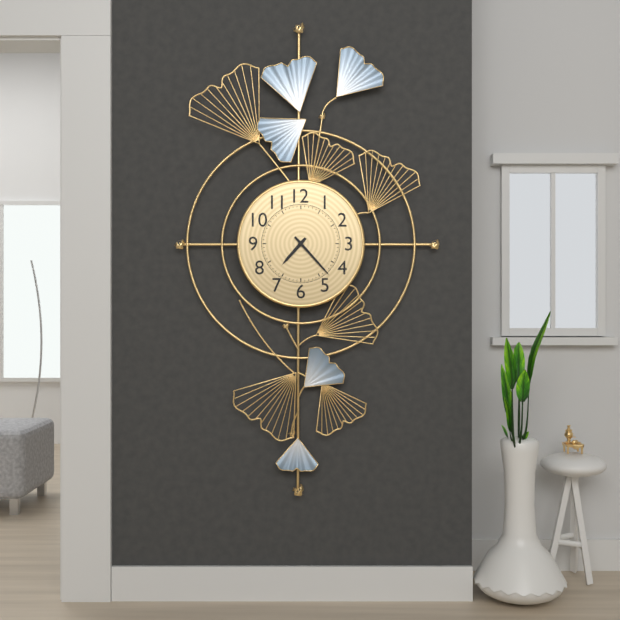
7:23
